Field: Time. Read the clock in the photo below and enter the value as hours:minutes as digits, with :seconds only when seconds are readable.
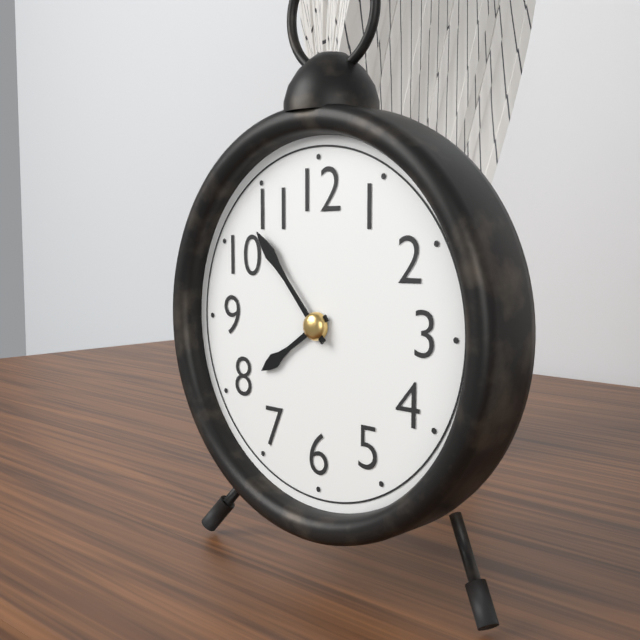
7:53
